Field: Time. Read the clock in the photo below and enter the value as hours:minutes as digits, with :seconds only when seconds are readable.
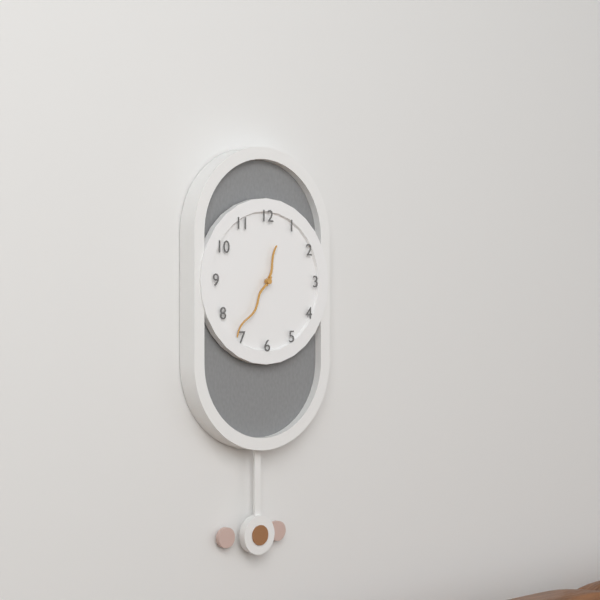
12:36
